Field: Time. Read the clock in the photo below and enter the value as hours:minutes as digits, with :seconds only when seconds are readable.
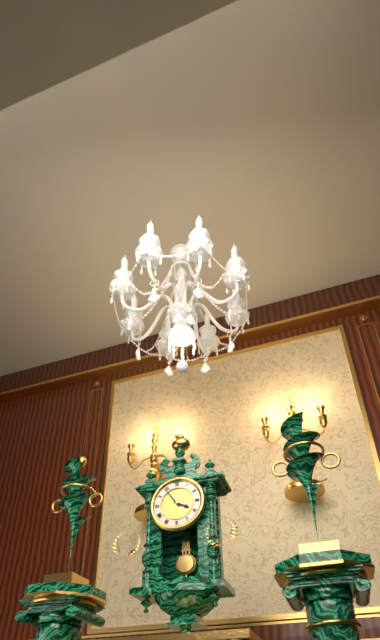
3:54
